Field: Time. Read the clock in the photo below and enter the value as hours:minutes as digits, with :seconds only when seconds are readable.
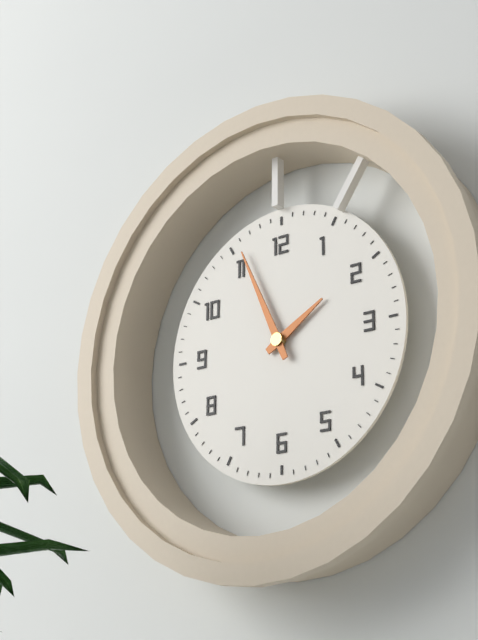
1:56
